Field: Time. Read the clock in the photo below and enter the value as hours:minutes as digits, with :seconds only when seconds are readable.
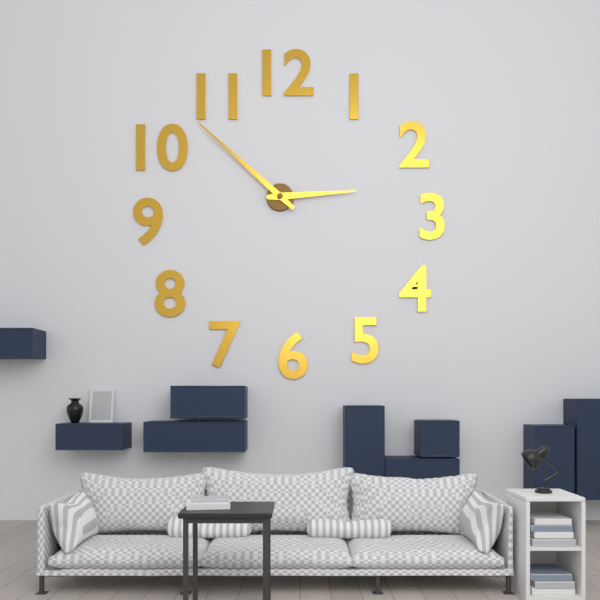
2:52
